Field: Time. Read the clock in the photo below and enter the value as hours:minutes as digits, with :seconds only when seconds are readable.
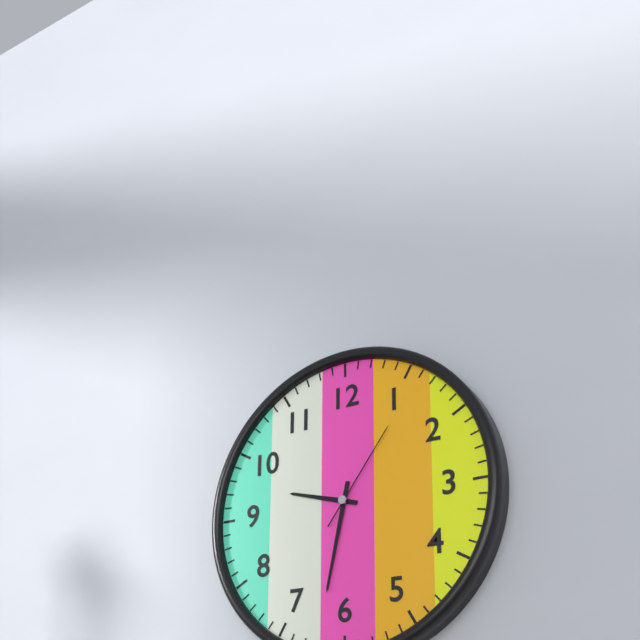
9:32:06
